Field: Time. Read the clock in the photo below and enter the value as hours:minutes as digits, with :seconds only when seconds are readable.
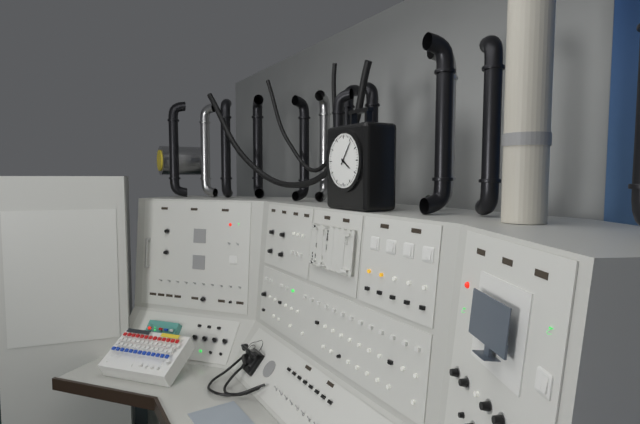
4:06
